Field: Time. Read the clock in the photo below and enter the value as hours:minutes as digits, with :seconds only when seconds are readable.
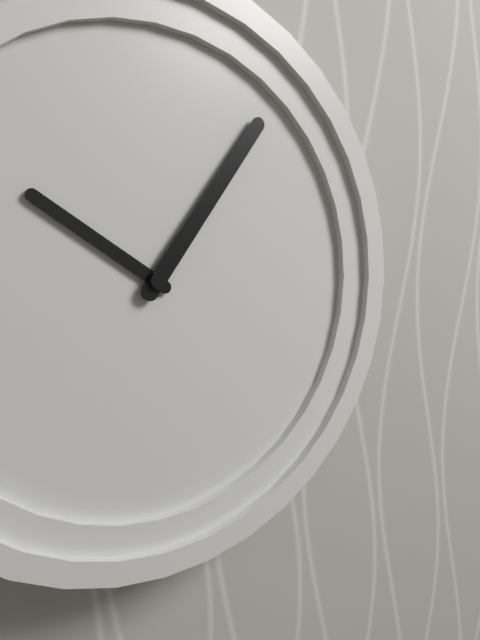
10:06
